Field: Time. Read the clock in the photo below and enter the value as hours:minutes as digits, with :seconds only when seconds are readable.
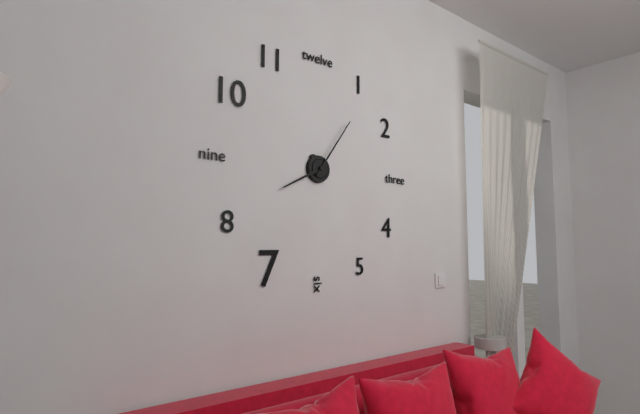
8:06
